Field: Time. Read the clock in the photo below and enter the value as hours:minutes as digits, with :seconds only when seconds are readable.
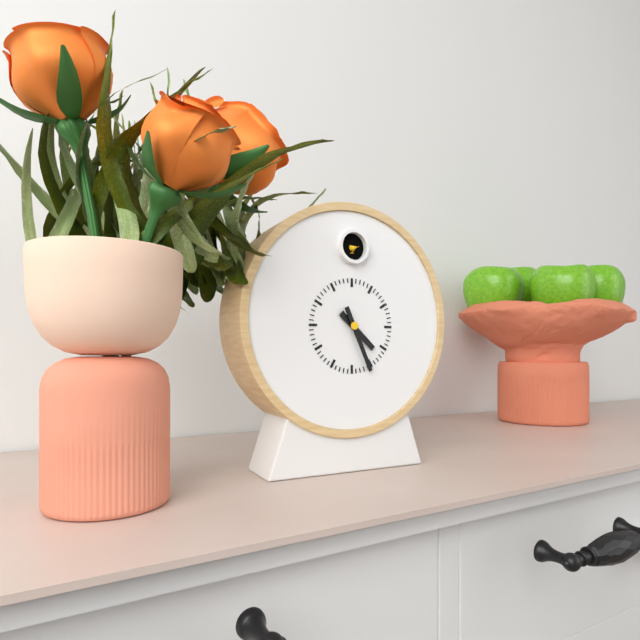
4:26
